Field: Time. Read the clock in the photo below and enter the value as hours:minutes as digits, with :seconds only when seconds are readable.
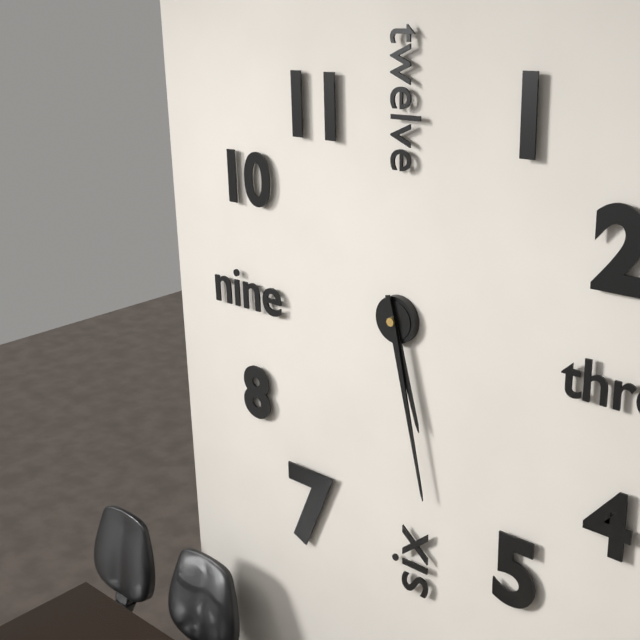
5:28
